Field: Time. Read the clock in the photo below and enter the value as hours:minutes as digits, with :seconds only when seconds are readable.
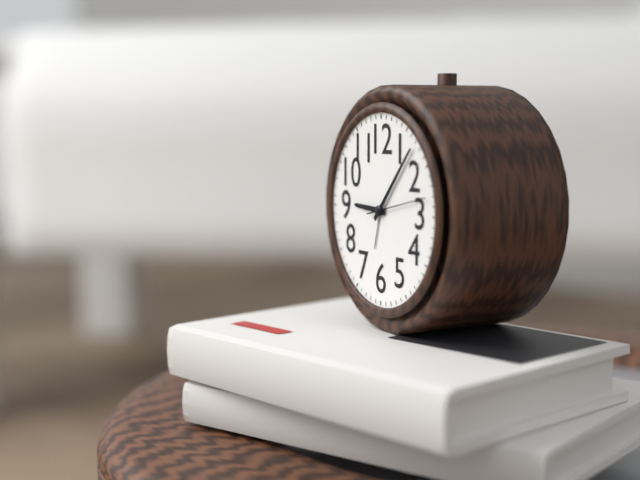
9:07:13
